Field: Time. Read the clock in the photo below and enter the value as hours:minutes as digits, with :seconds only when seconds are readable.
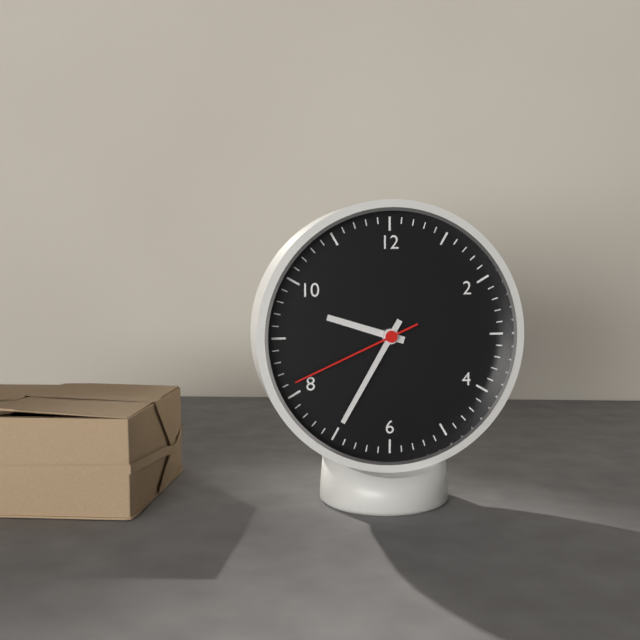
9:35:41
